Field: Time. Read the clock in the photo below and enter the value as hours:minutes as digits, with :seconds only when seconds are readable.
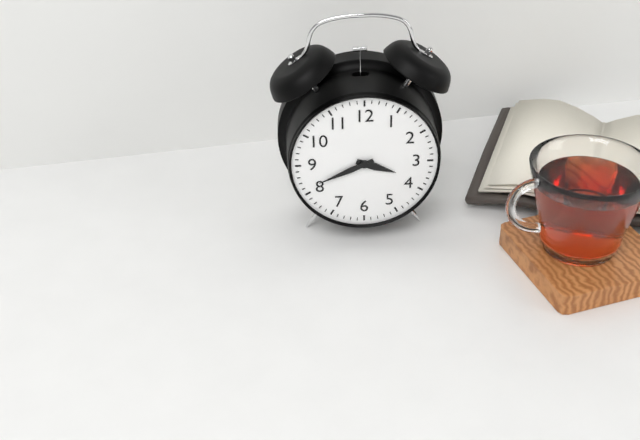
3:41
